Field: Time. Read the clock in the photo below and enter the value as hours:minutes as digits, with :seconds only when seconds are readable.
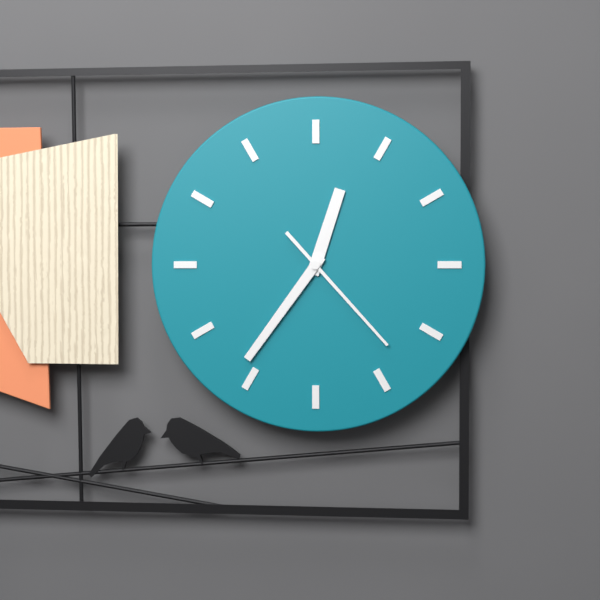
12:36:23
